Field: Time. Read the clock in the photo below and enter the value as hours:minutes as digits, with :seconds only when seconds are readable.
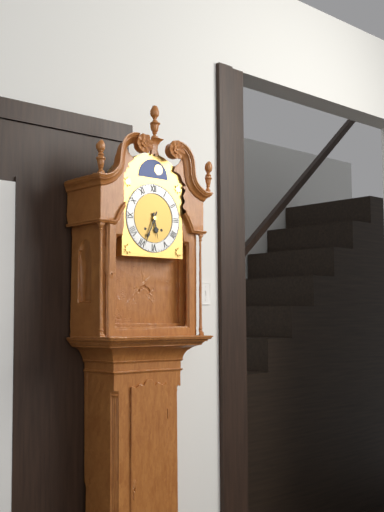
5:34
